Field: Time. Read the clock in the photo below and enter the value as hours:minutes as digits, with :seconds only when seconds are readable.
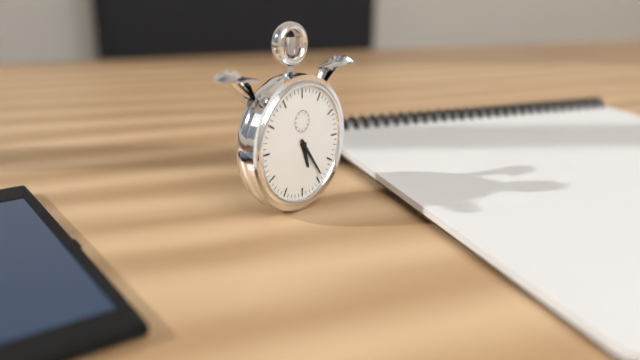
5:24
